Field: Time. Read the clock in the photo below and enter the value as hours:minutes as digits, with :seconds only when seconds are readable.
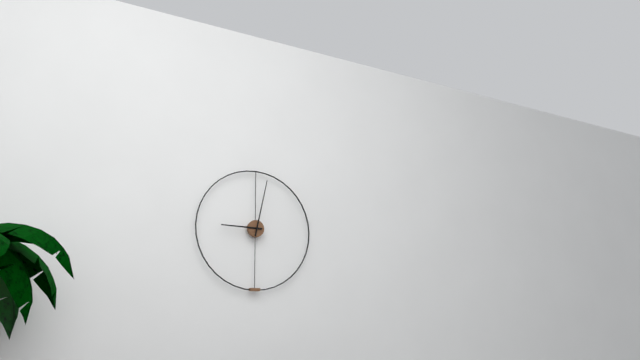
9:02
